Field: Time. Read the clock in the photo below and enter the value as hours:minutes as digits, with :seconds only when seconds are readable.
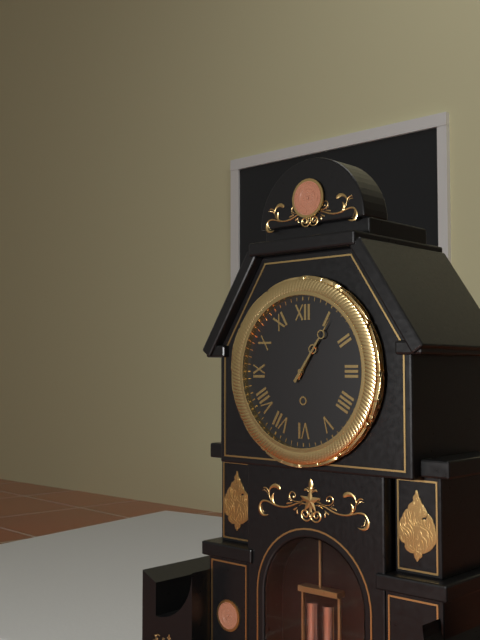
1:06
